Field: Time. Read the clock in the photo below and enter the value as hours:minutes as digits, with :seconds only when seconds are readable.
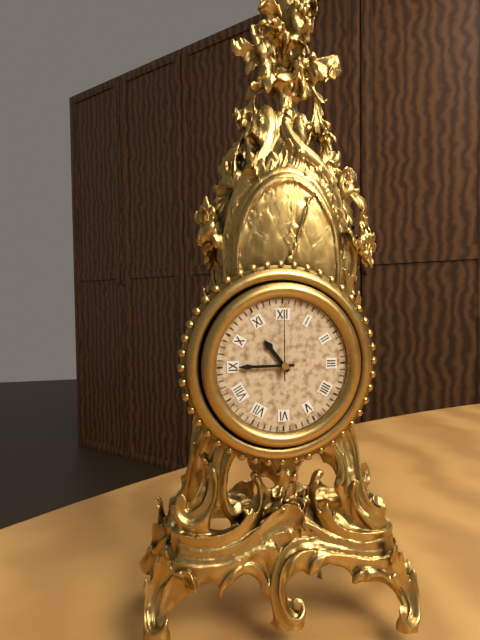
10:45:00
